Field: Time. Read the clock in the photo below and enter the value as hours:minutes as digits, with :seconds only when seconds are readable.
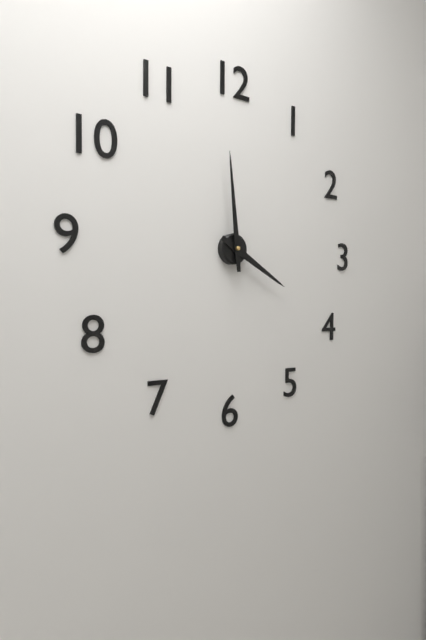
3:59
